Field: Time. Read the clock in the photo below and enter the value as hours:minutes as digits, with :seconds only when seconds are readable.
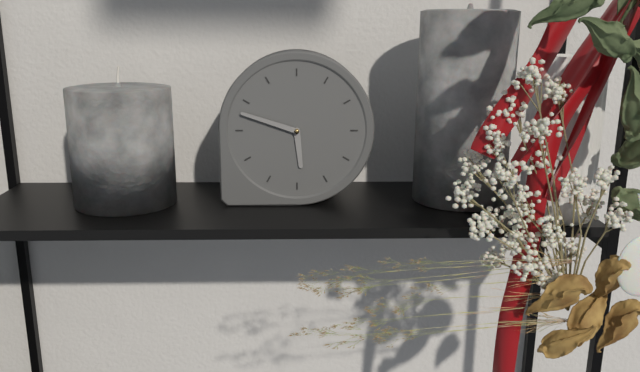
5:48
